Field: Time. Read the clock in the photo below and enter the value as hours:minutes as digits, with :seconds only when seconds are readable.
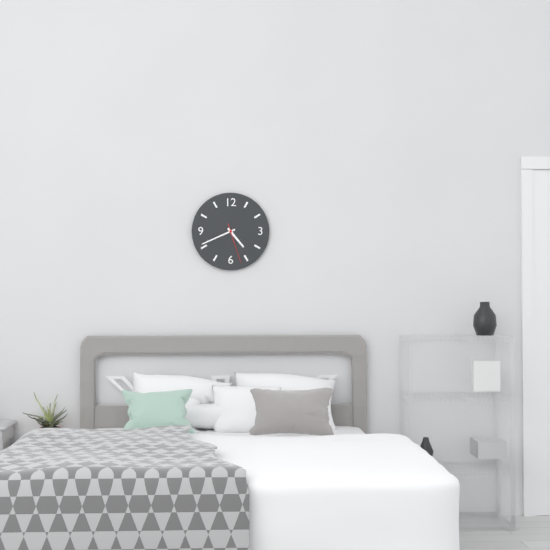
4:41
